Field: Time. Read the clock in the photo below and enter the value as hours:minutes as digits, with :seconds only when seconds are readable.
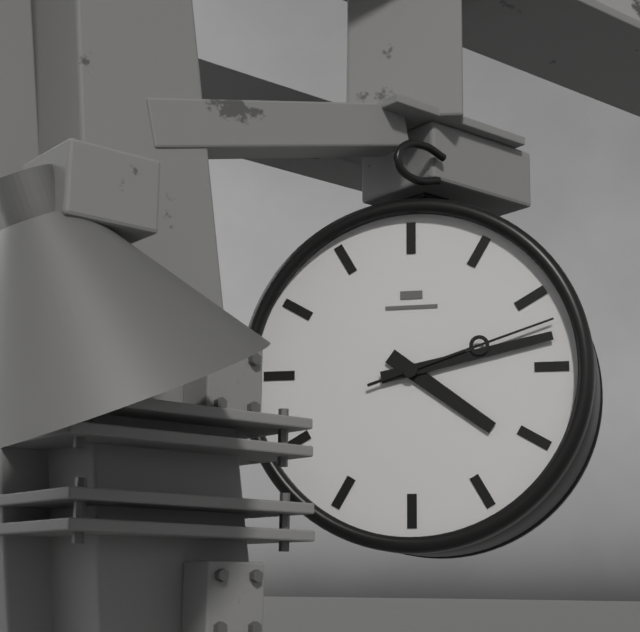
4:13:12
